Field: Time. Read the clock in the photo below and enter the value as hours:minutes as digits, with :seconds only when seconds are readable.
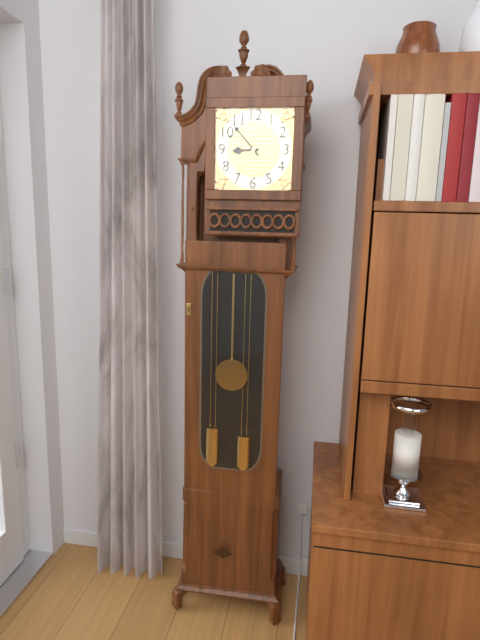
8:53
